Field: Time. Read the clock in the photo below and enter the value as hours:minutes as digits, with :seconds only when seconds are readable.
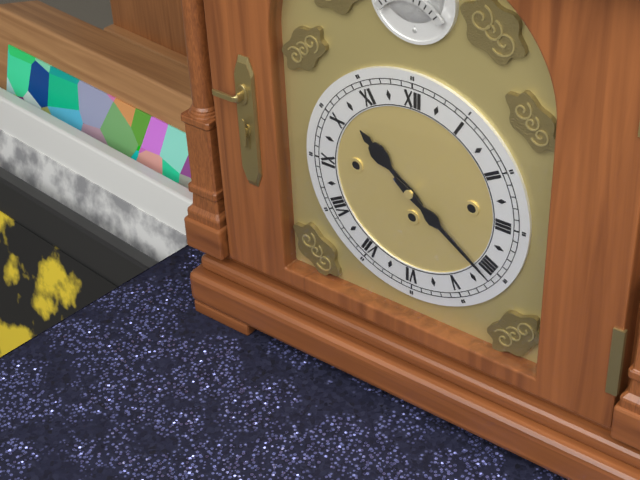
10:21
